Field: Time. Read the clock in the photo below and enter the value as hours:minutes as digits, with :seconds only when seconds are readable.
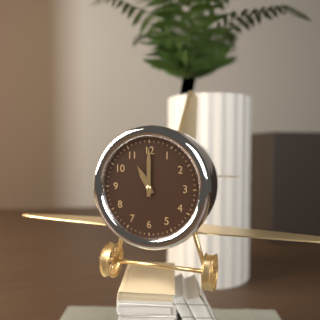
11:00
